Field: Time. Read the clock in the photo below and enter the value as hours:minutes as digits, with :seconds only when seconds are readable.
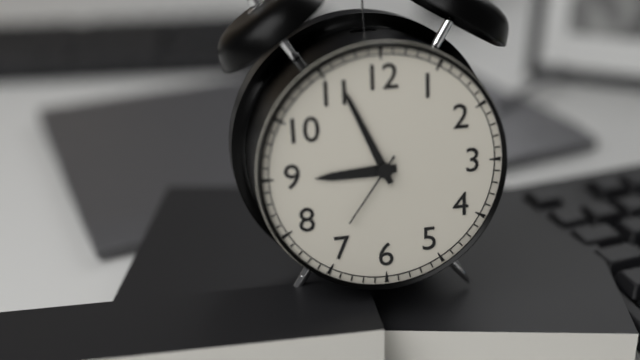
8:56:36
